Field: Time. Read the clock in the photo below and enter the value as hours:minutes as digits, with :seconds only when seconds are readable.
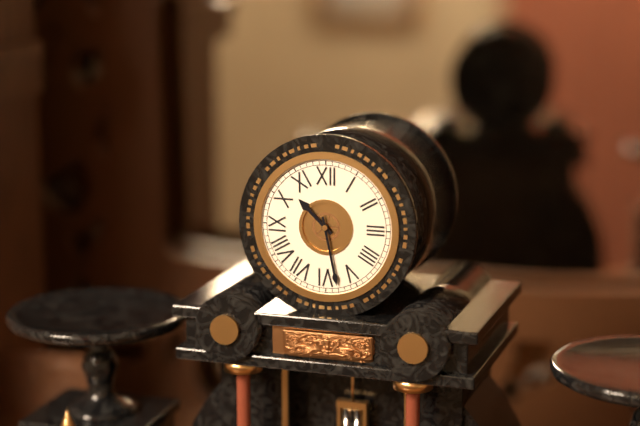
10:28
